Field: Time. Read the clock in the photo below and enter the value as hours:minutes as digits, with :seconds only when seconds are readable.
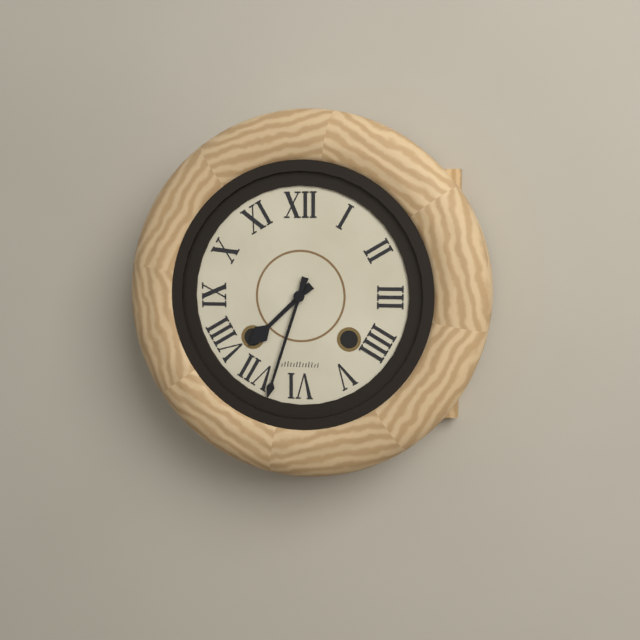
7:33
